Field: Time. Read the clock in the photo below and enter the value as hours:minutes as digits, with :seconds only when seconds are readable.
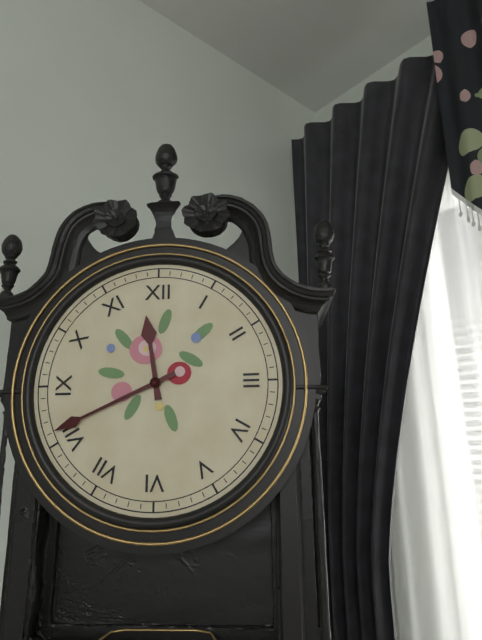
11:41
